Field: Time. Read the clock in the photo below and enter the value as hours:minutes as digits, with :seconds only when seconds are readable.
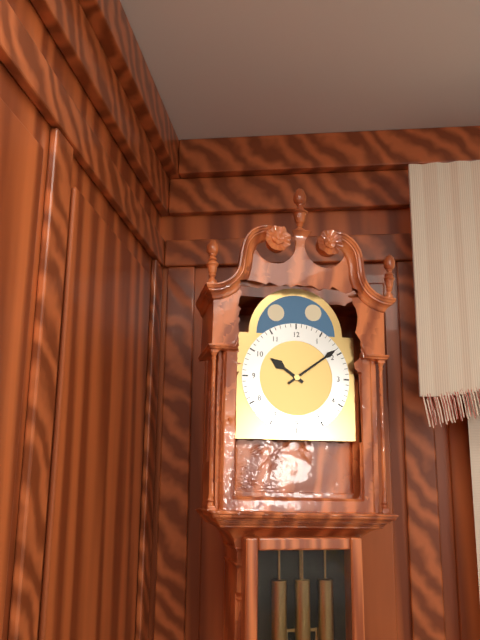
10:09
